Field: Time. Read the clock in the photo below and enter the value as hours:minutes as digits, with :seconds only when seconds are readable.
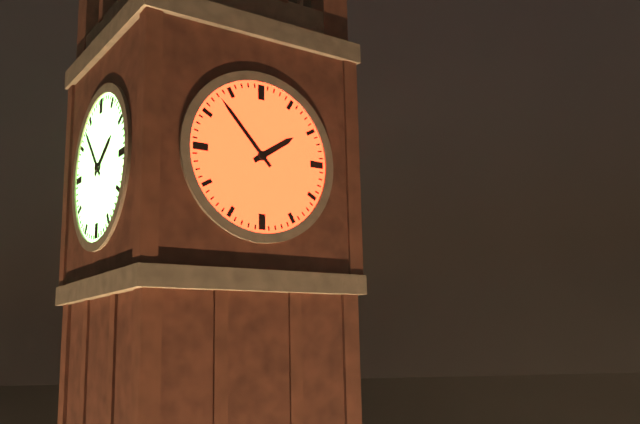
1:53
